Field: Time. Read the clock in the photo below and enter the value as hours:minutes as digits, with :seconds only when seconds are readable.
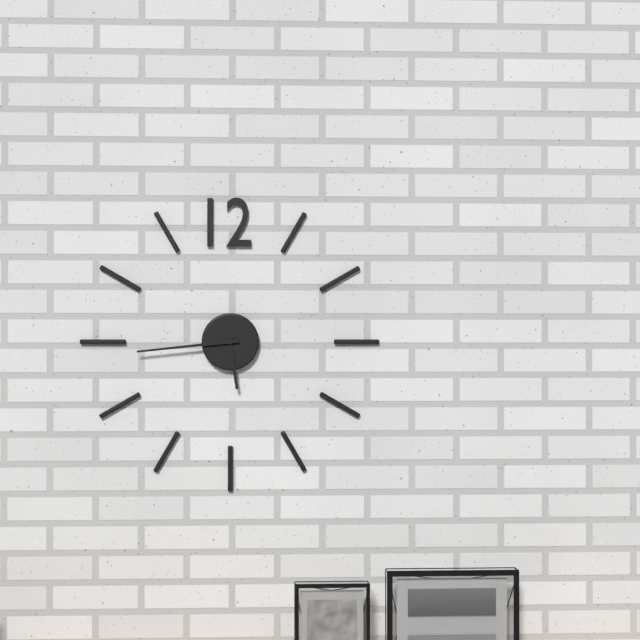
5:44
